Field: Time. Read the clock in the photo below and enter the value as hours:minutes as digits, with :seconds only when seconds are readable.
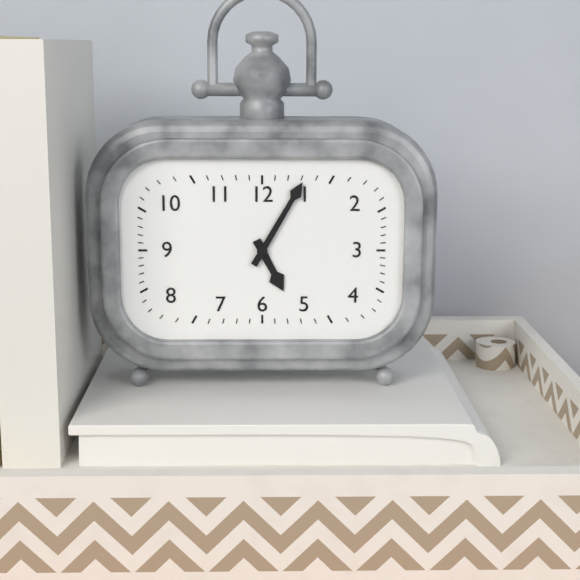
5:05
